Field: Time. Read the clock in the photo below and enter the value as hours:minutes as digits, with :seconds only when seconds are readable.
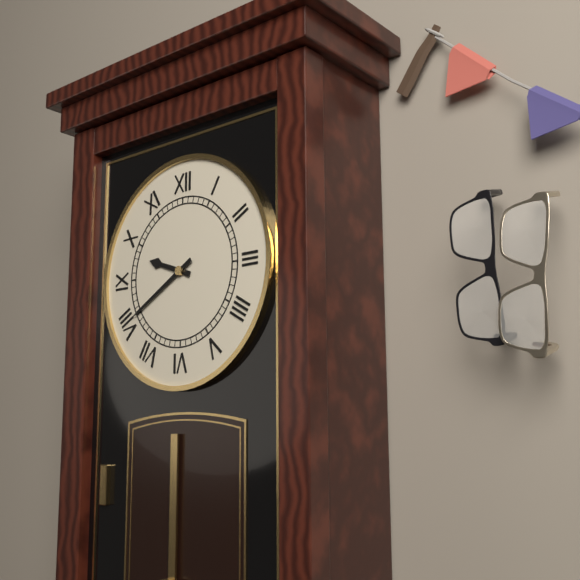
9:40
